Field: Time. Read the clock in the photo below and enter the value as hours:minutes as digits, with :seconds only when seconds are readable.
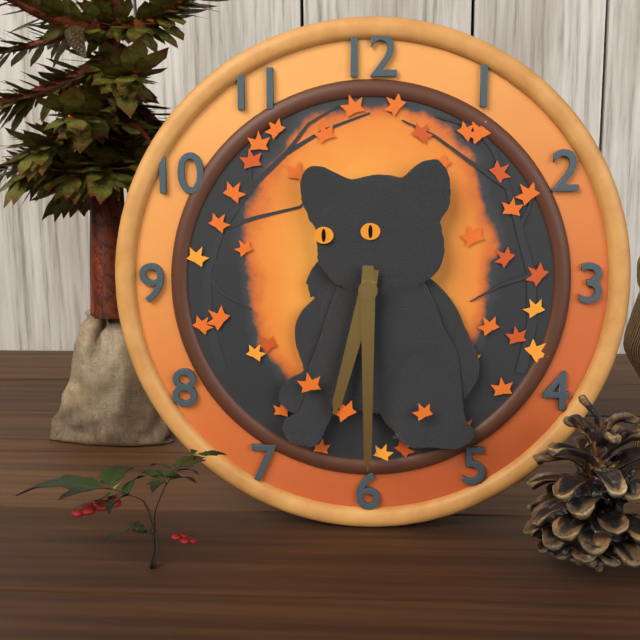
6:30
